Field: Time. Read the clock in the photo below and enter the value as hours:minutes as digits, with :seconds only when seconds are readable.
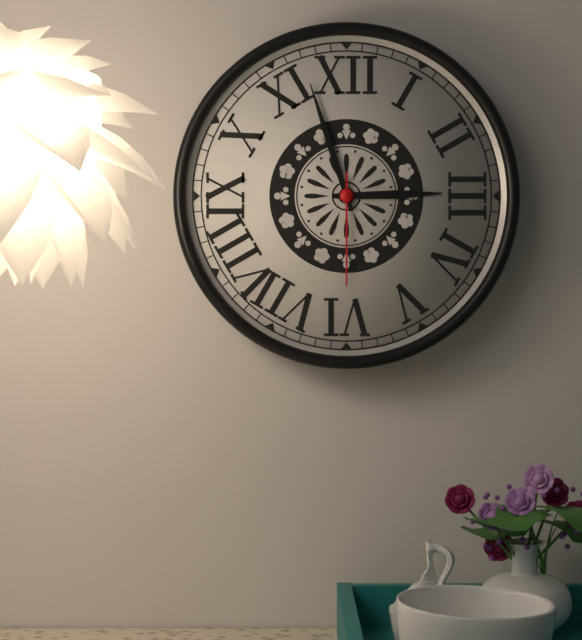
2:57:30
